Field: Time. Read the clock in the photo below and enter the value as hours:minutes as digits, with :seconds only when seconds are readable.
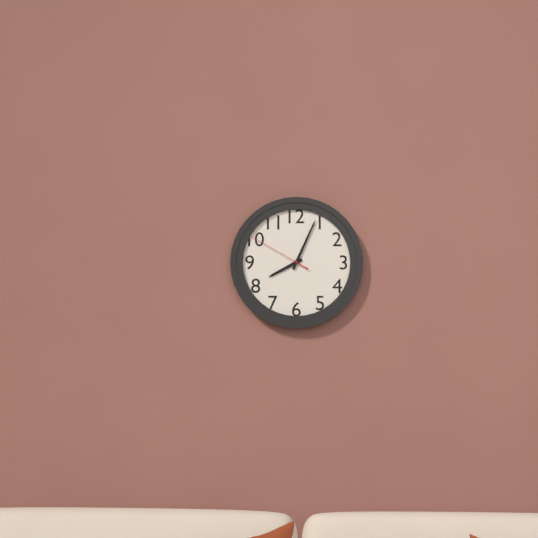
8:04:50
